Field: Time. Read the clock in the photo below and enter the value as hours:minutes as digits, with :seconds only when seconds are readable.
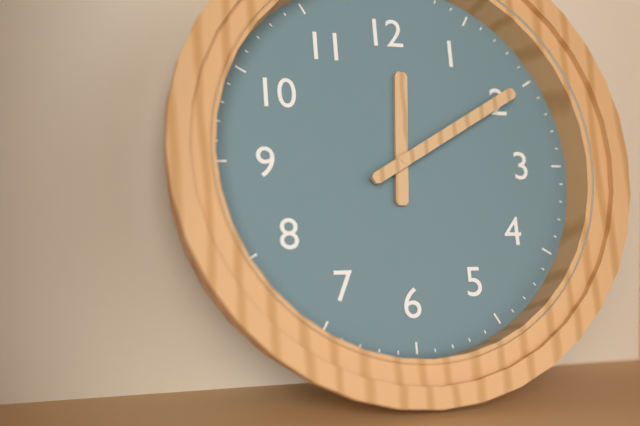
12:10
